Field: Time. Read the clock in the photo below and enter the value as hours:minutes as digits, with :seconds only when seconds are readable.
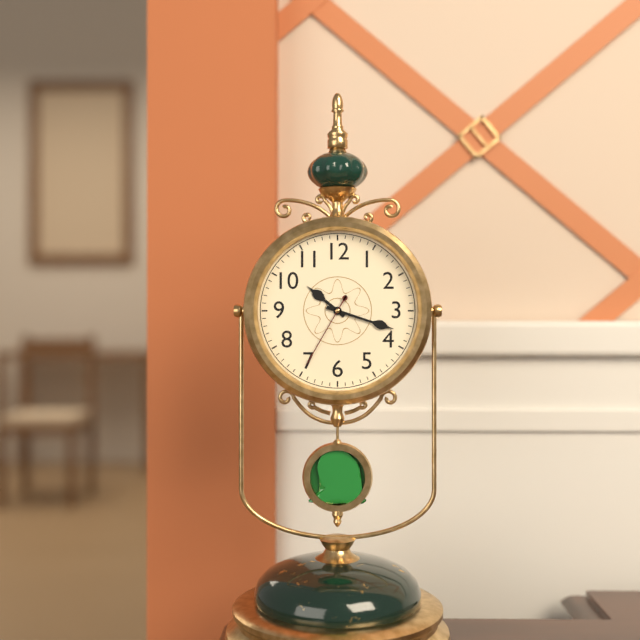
10:18:35
